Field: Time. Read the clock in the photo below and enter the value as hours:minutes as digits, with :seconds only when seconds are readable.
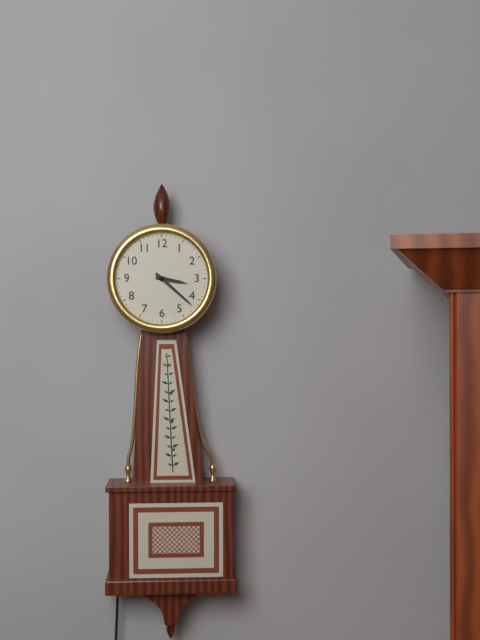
3:22
